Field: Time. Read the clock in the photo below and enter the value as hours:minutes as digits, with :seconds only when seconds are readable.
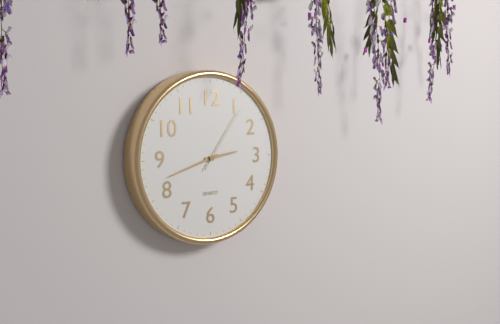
2:42:06
